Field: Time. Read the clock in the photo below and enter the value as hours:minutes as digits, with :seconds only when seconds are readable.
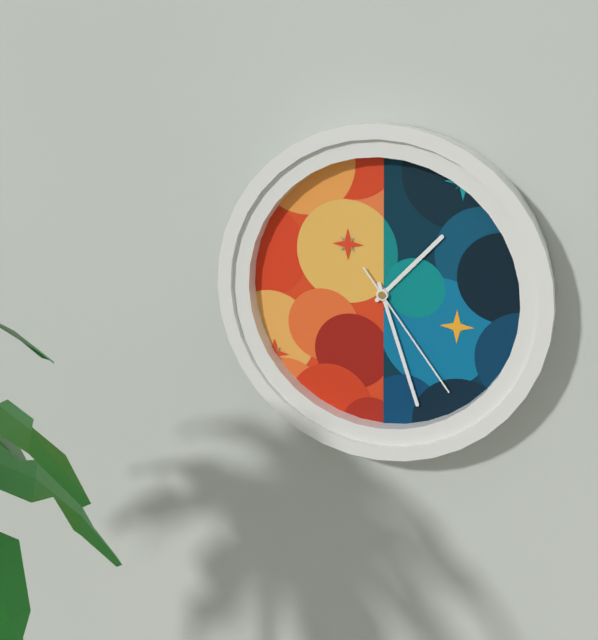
1:27:24
